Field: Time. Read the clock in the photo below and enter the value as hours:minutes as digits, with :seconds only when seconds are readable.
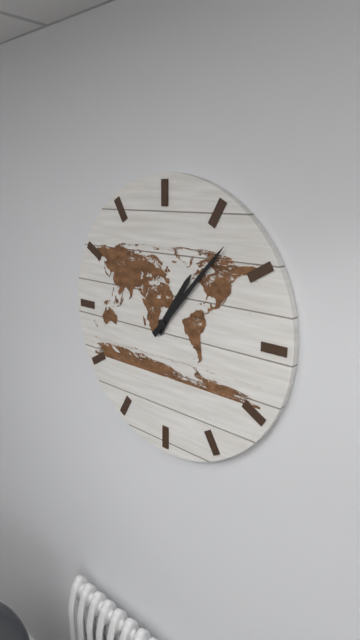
1:07
